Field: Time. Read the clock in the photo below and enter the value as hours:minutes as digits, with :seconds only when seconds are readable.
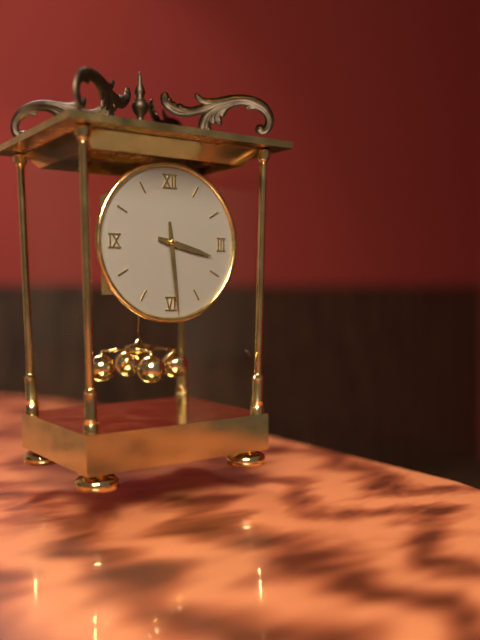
3:29
